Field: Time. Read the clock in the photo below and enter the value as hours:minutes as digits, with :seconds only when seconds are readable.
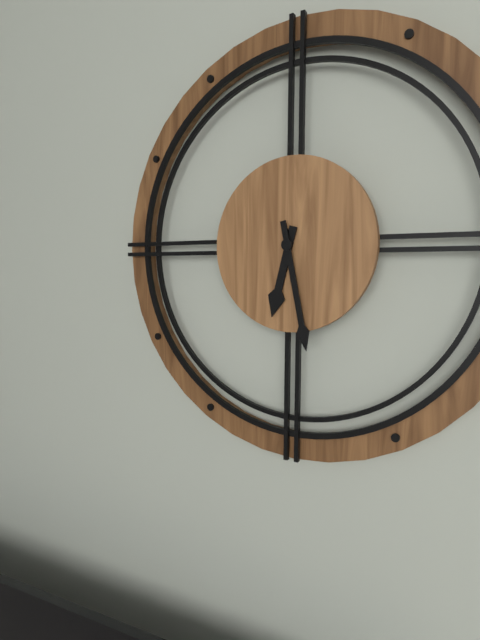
6:28
